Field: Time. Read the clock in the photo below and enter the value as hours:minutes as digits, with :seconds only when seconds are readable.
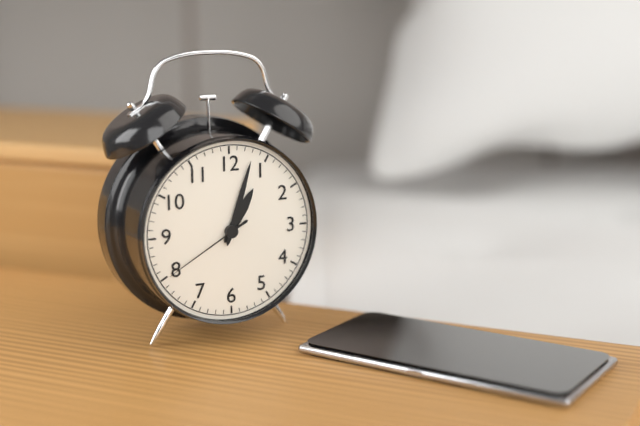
1:03:40
